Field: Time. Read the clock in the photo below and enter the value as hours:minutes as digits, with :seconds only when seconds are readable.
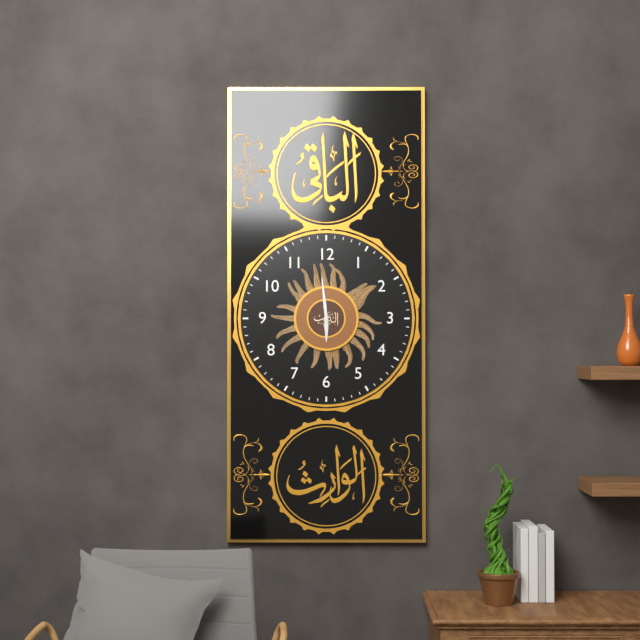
5:59
